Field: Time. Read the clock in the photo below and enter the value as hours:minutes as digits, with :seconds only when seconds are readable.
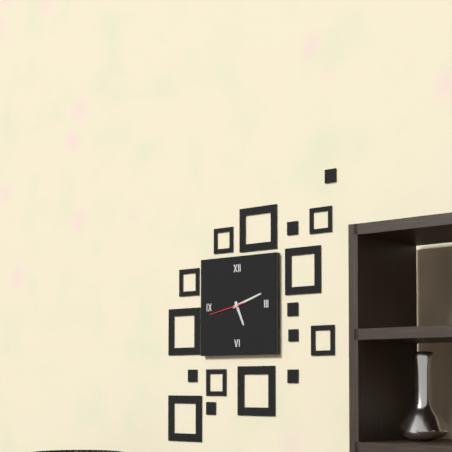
5:12
